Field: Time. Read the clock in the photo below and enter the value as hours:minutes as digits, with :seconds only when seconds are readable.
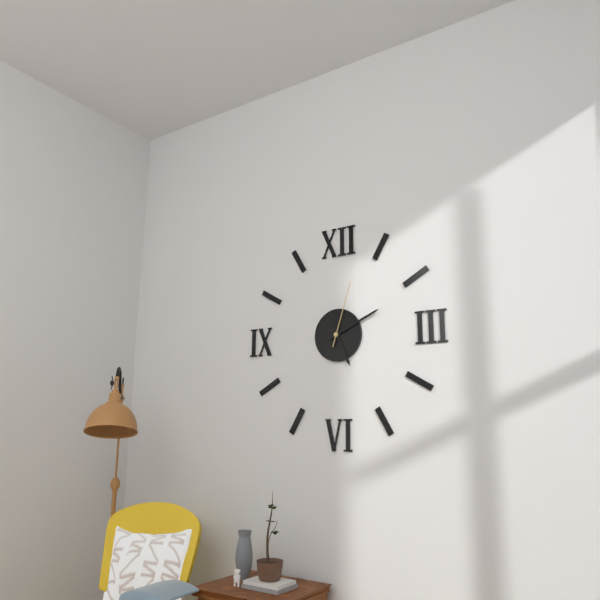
5:11:03
